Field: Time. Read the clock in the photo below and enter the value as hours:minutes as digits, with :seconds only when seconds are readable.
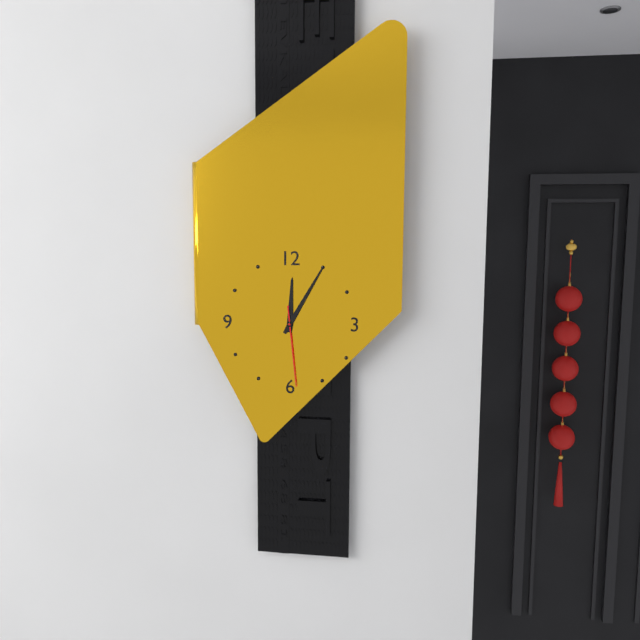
12:05:29
